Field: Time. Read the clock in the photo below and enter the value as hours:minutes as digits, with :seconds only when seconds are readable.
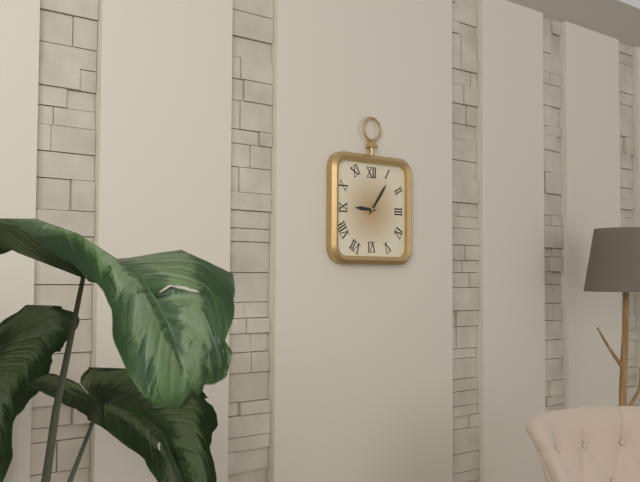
9:06
